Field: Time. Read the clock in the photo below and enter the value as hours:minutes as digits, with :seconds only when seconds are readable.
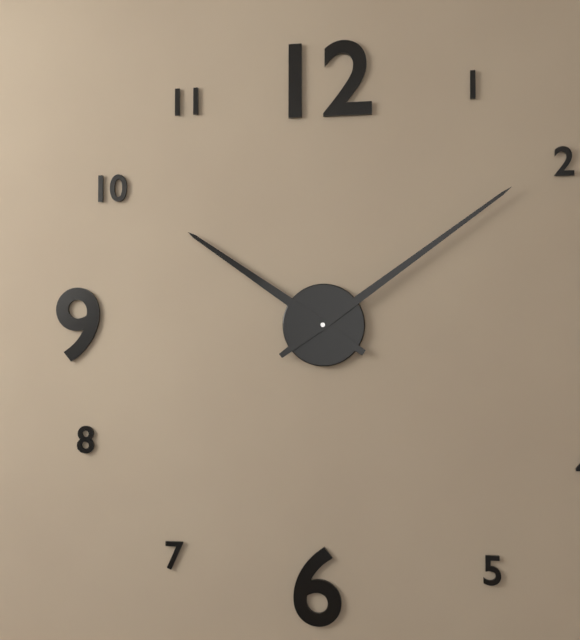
10:09
